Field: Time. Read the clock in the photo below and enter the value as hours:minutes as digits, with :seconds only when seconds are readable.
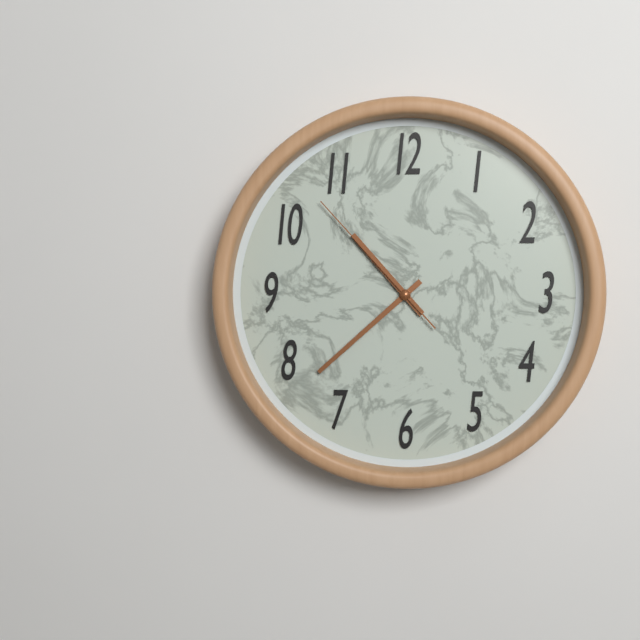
10:38:53
